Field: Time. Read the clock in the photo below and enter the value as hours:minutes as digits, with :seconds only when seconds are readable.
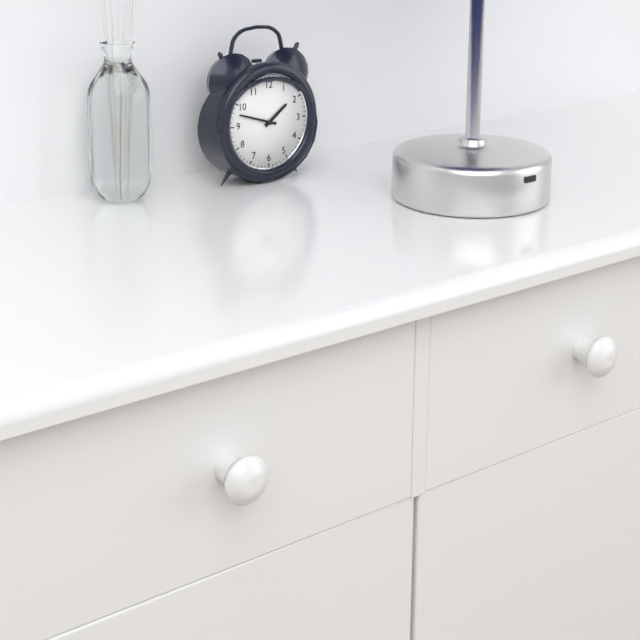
1:48
